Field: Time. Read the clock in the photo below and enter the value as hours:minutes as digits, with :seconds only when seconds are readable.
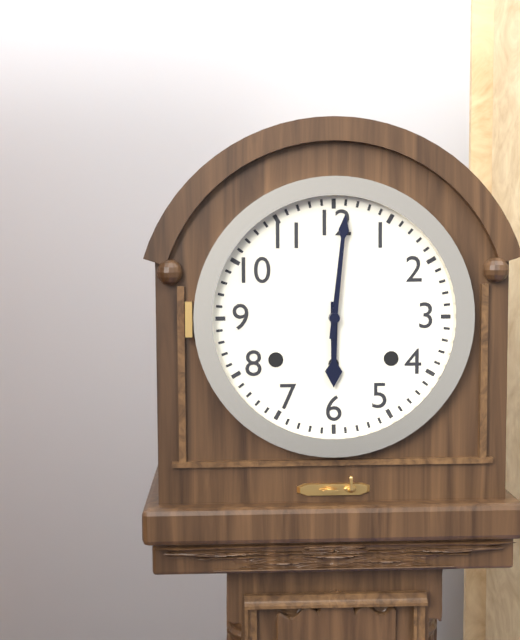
6:01
